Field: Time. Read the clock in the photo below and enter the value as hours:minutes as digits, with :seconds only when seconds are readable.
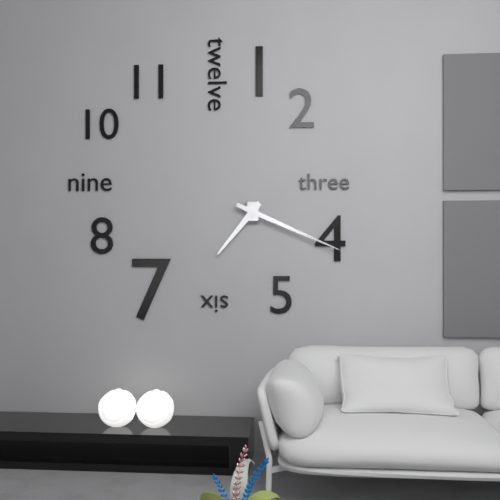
7:19
